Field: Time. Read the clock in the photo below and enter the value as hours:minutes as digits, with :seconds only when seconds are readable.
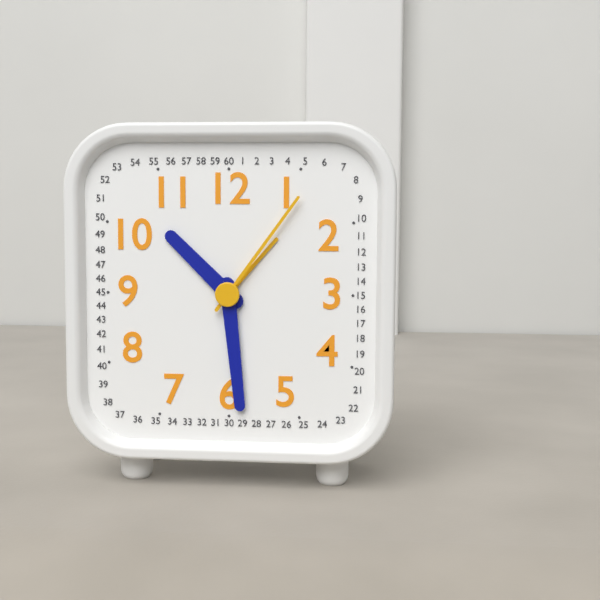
10:29:06
